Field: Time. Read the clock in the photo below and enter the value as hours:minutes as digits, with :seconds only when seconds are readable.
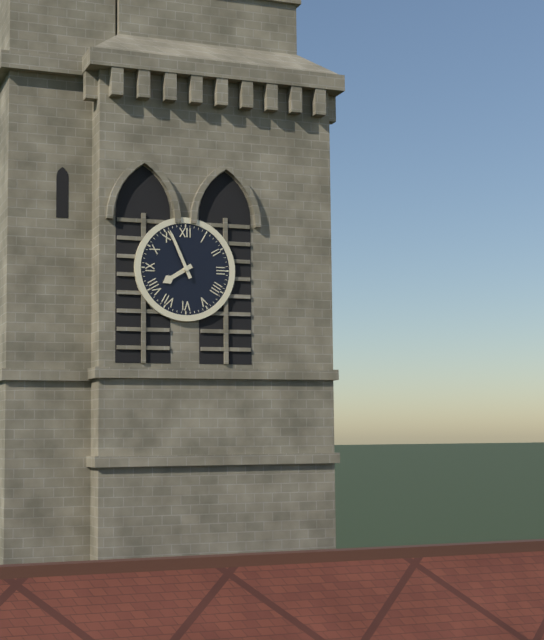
7:56
